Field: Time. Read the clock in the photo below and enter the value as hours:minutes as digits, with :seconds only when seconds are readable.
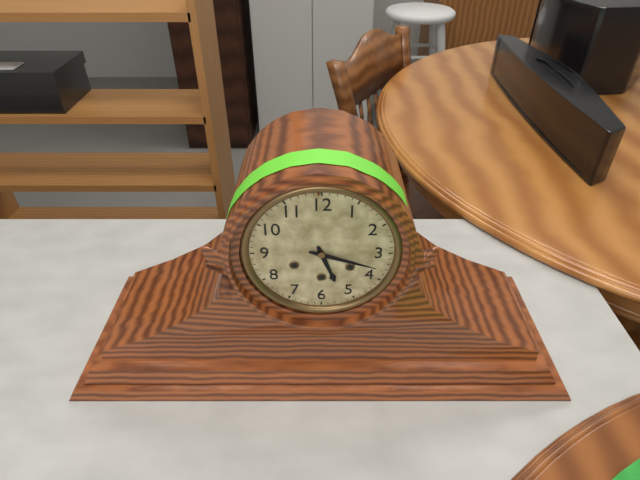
5:18
